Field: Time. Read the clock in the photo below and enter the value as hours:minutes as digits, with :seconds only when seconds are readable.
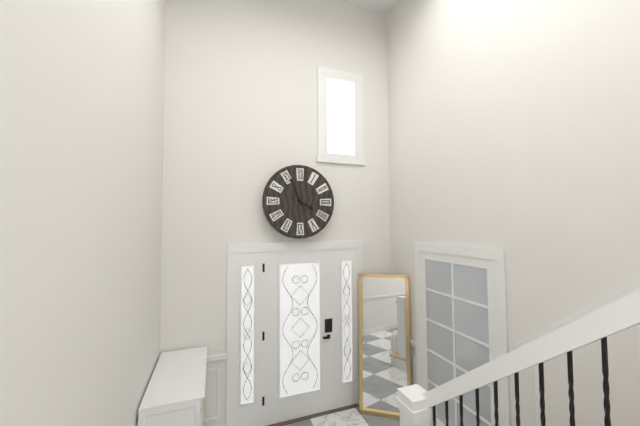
3:56
